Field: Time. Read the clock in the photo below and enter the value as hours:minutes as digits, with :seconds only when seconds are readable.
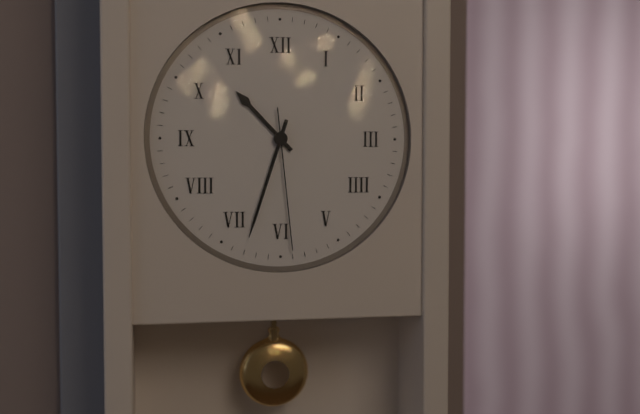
10:33:29
